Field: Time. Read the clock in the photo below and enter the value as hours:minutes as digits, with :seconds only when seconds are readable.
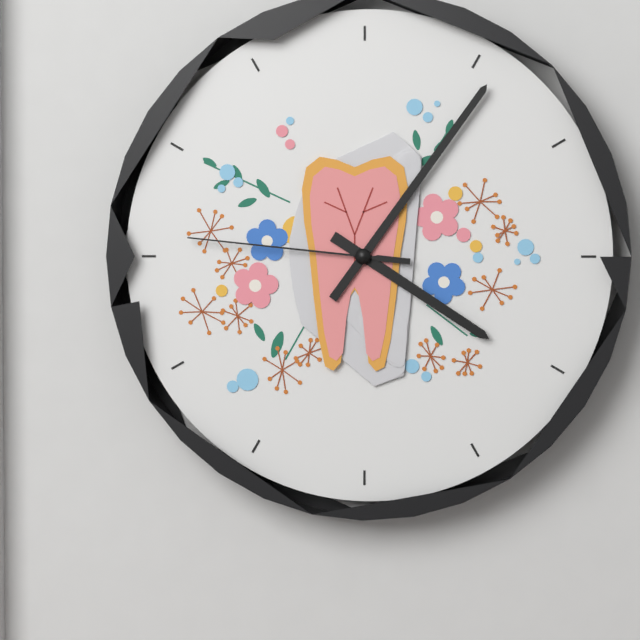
4:06:46
